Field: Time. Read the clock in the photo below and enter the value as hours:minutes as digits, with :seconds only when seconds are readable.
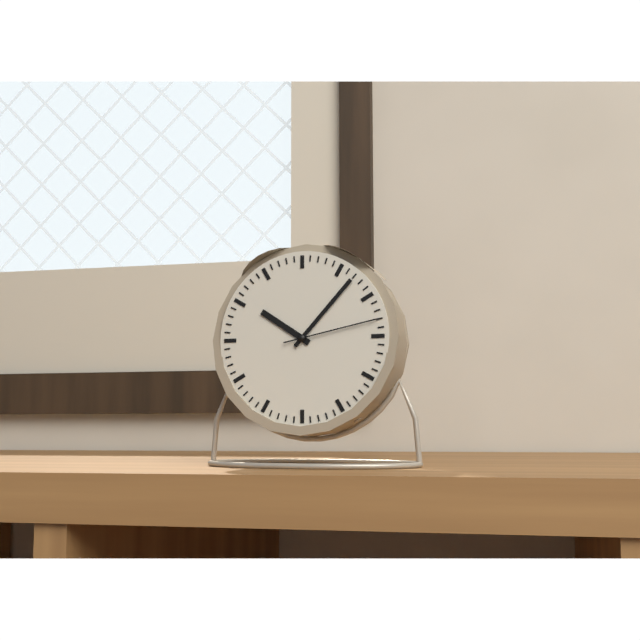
10:07:13
